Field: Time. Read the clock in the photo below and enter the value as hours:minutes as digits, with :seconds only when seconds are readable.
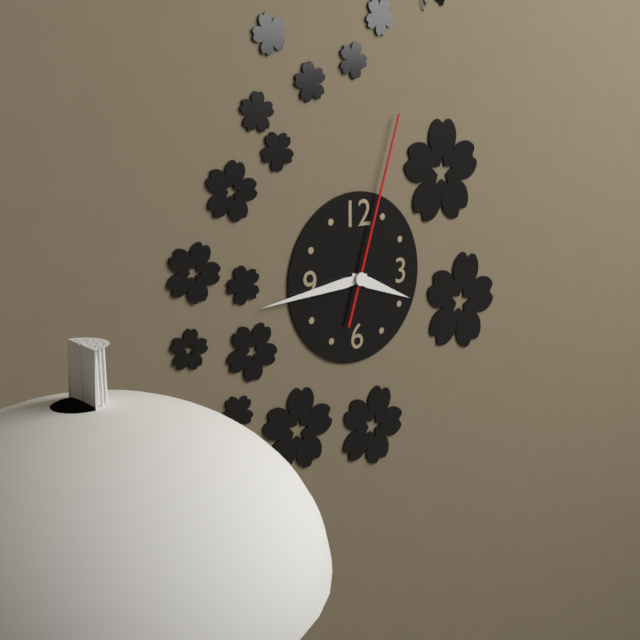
3:44:03
